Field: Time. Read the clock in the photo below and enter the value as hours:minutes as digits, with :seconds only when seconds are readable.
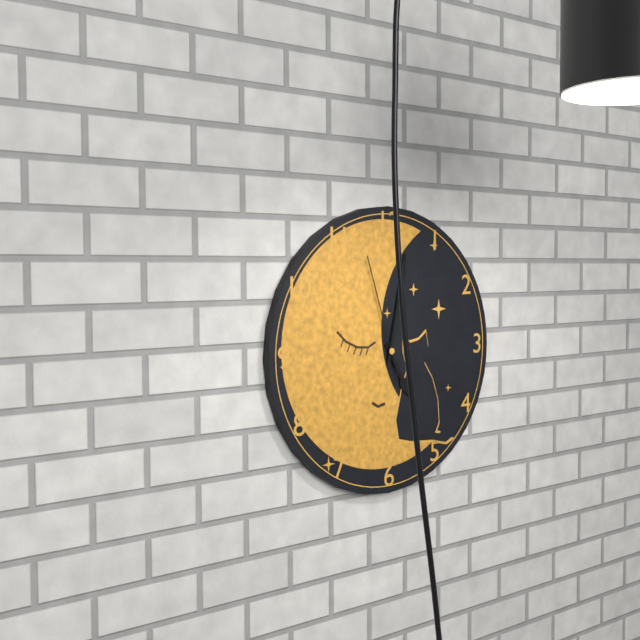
5:02:57
